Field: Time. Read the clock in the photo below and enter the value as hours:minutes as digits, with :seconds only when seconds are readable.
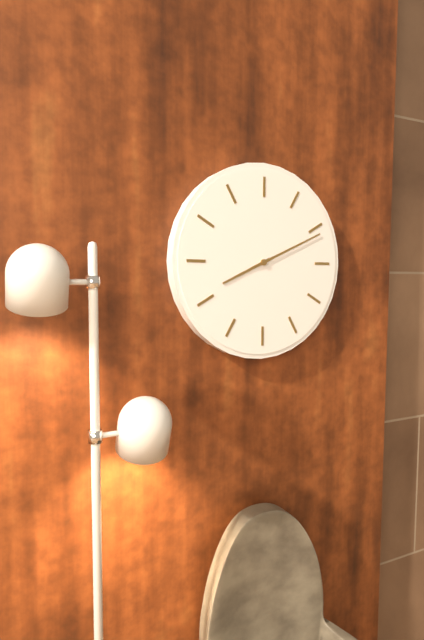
8:11
